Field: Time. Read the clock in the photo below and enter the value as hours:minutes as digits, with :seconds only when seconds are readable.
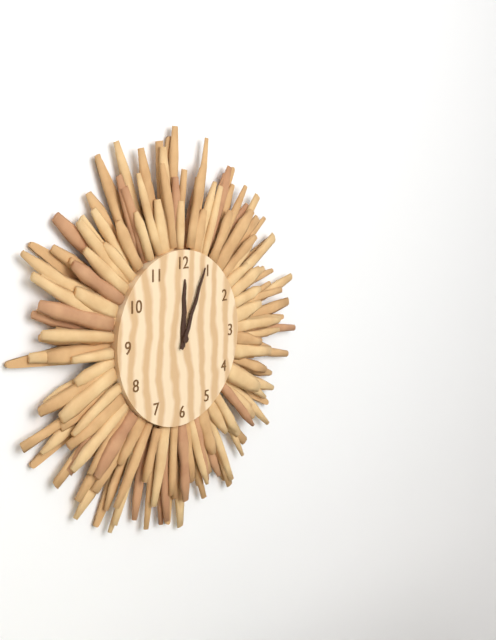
12:04
